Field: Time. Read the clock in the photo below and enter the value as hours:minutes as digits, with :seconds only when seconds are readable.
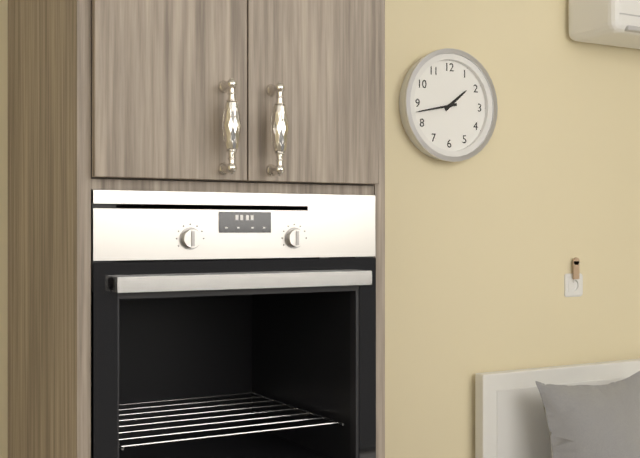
1:43
